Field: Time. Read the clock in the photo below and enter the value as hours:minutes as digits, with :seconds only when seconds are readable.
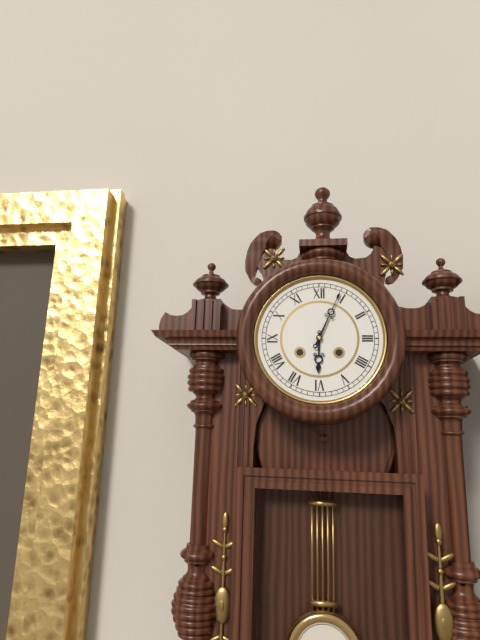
6:04
